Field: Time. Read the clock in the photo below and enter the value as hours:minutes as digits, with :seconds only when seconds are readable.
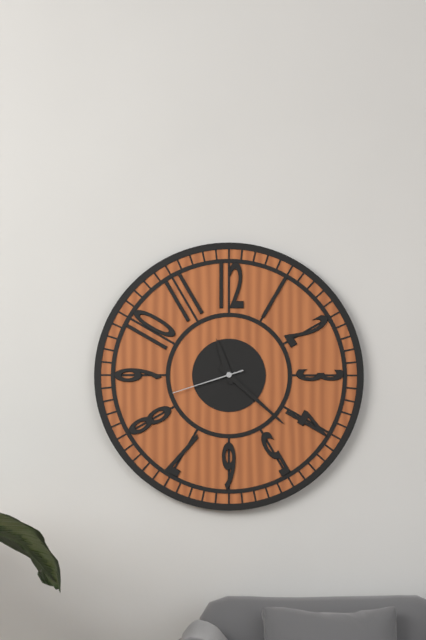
11:22:42
